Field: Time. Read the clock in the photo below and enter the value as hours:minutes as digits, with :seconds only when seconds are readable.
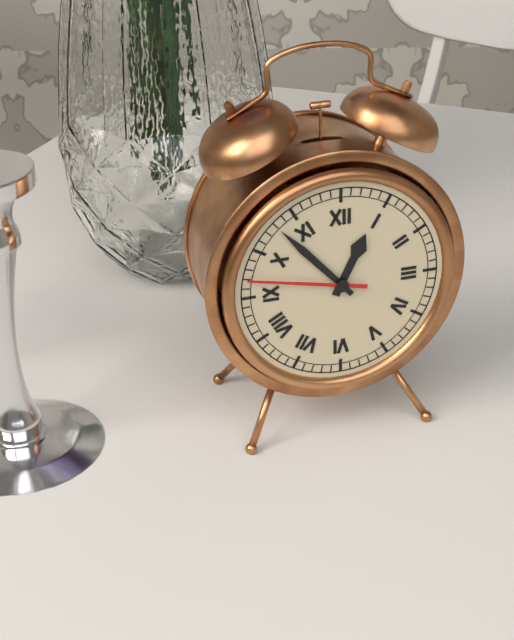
12:53:47
